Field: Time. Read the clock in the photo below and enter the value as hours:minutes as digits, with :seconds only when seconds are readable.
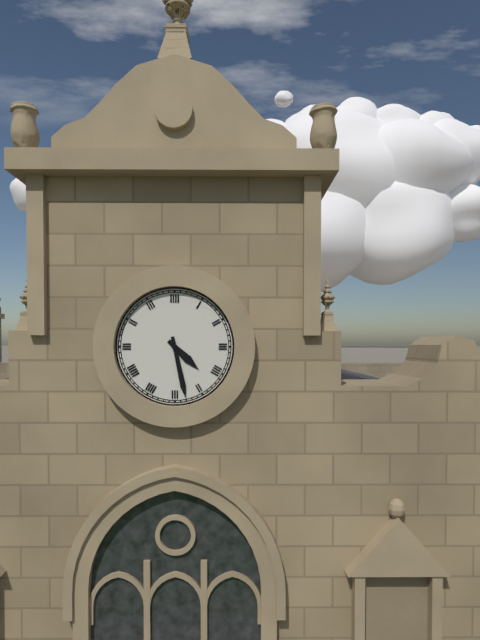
4:28
